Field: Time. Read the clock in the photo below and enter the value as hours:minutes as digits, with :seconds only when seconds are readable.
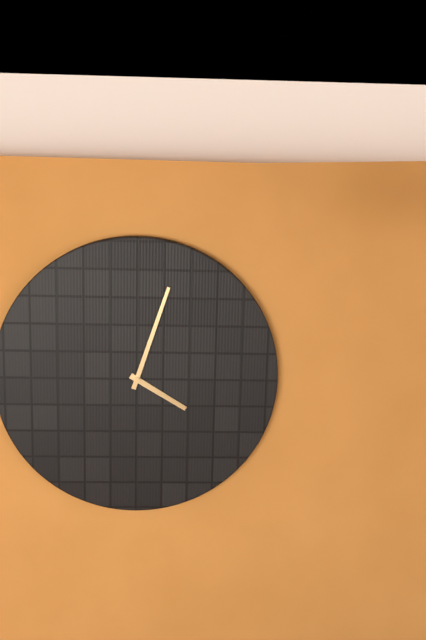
4:03
